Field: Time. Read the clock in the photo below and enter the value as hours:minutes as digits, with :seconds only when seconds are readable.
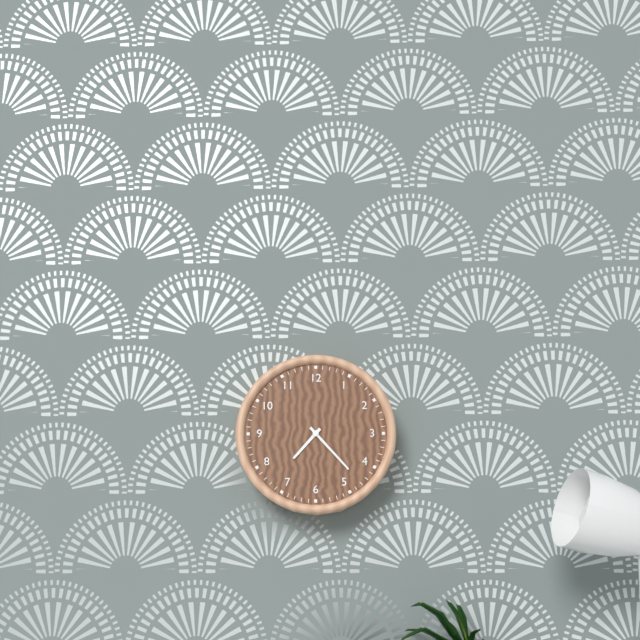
7:23
